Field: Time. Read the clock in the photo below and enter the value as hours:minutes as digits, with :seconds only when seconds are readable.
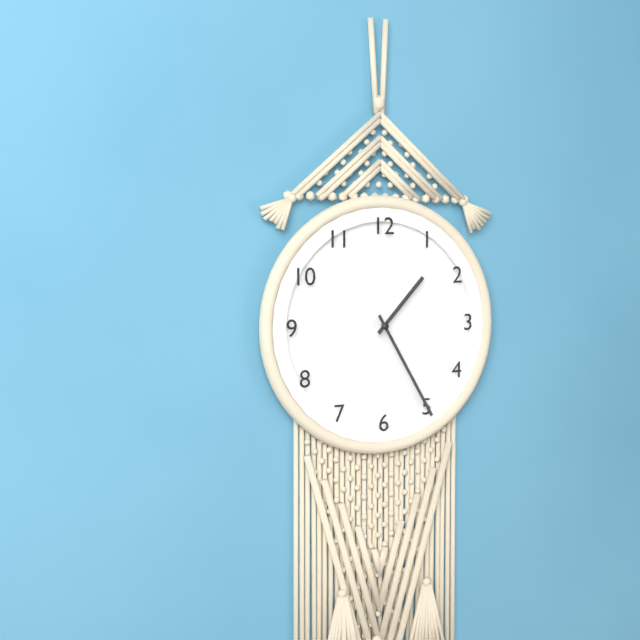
1:25
